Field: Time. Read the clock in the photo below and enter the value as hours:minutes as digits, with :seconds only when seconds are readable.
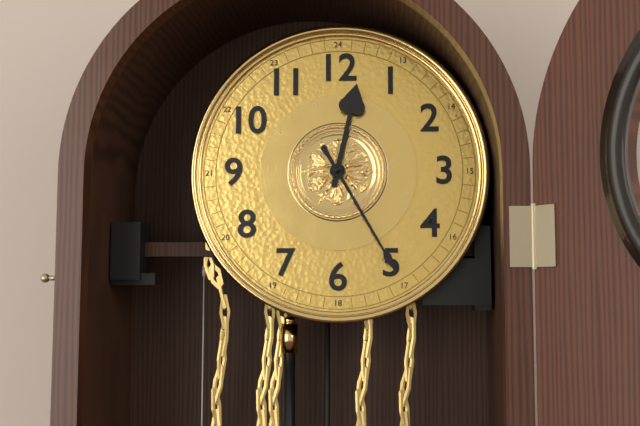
12:25
